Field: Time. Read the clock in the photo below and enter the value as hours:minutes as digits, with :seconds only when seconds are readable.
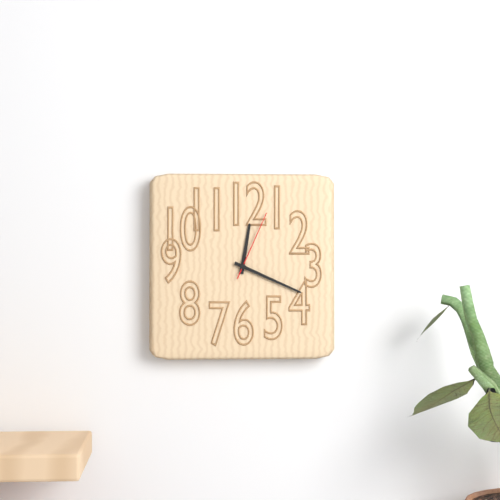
12:19:04
